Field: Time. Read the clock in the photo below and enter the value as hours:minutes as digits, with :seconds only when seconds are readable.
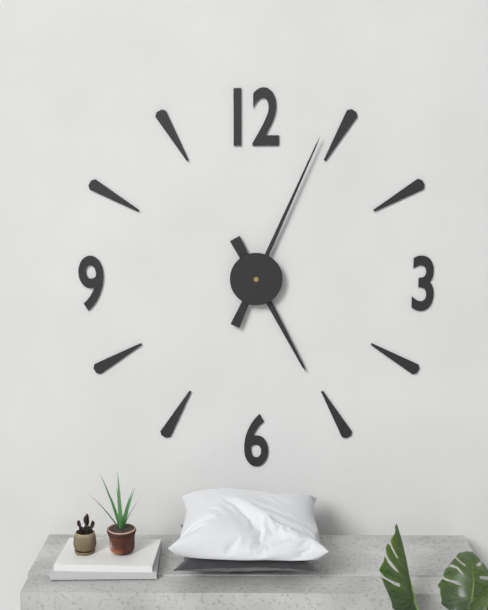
5:04
